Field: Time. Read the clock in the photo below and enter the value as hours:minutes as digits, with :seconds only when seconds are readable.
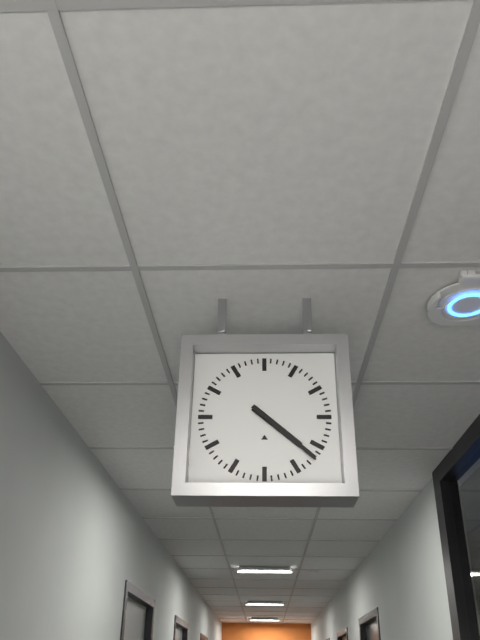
4:22
